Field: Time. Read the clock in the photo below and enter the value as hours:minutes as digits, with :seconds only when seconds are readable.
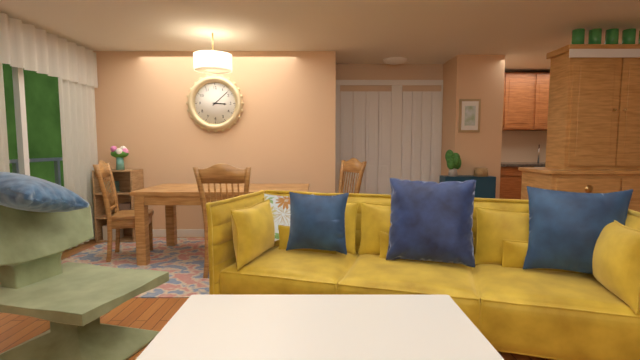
3:08
